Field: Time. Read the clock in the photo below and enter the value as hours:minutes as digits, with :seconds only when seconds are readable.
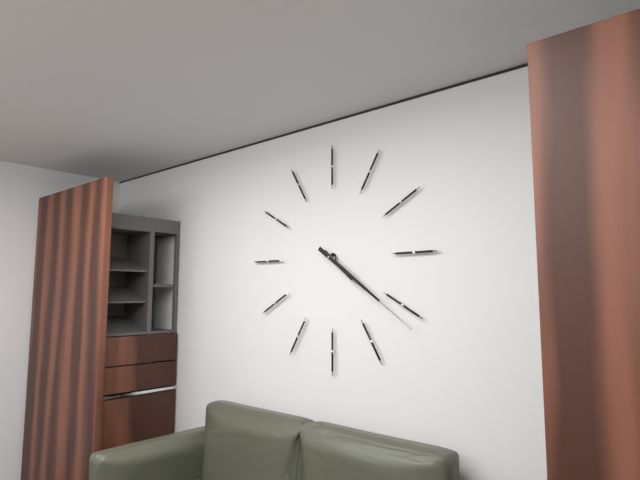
4:21
